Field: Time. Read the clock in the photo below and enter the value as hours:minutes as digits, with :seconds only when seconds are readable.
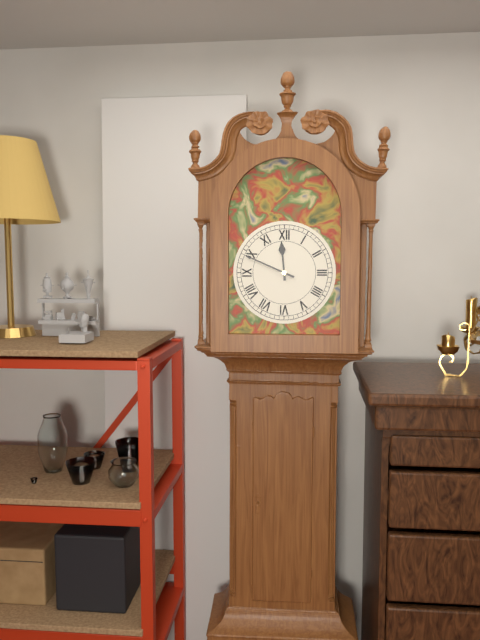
11:49
